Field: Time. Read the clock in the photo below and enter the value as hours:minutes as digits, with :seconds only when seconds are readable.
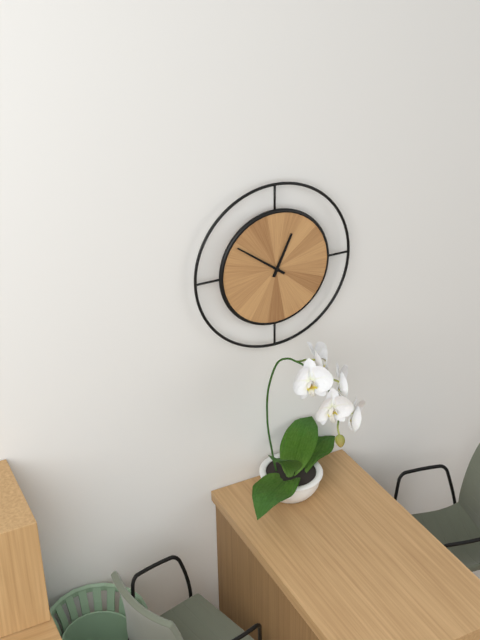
12:51
